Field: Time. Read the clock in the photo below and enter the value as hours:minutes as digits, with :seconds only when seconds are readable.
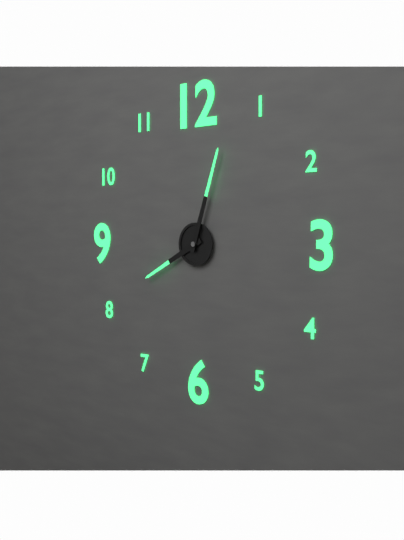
8:03
